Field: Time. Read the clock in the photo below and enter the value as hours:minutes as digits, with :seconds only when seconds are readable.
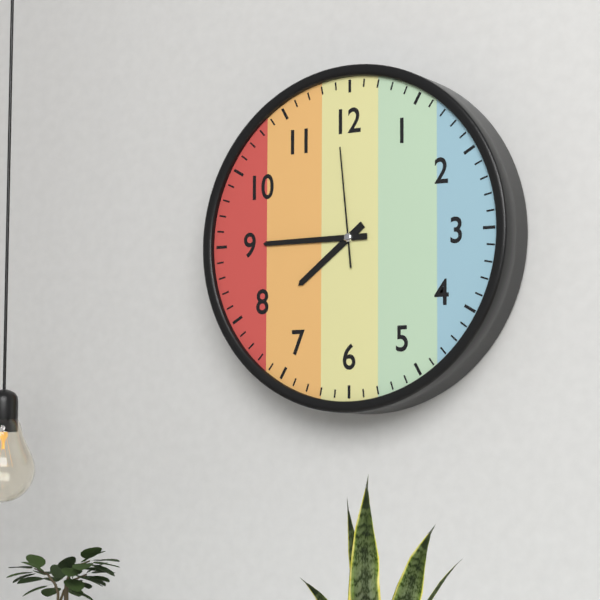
7:45:59
